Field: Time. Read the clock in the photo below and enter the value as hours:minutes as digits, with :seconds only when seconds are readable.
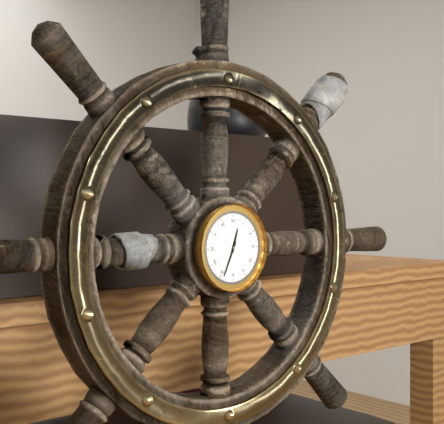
12:34
